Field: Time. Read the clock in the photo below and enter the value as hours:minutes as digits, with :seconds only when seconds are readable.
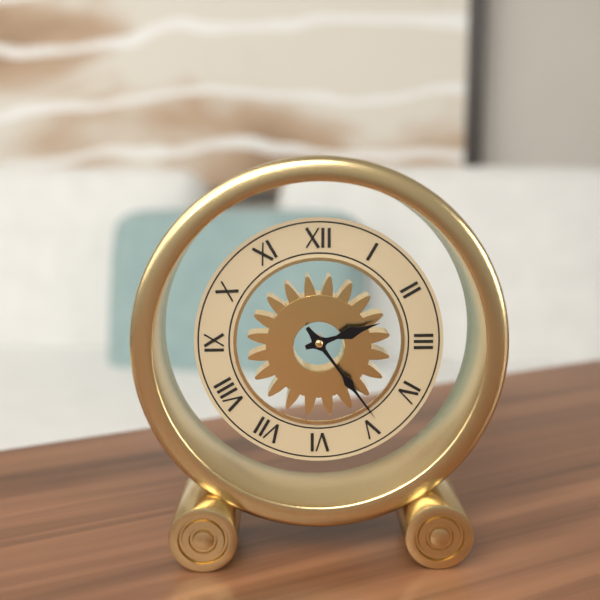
2:24
